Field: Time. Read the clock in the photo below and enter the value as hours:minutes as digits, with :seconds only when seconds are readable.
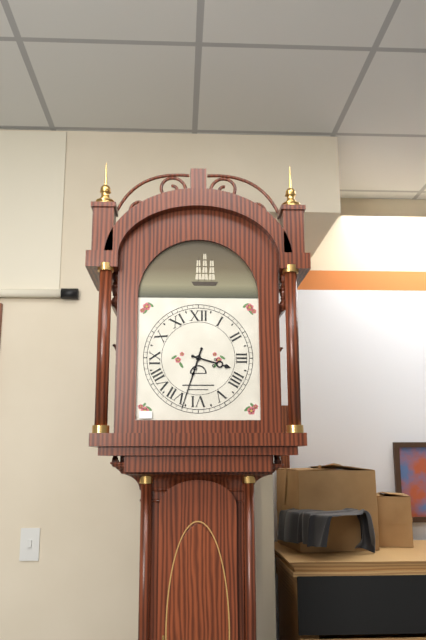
3:33
